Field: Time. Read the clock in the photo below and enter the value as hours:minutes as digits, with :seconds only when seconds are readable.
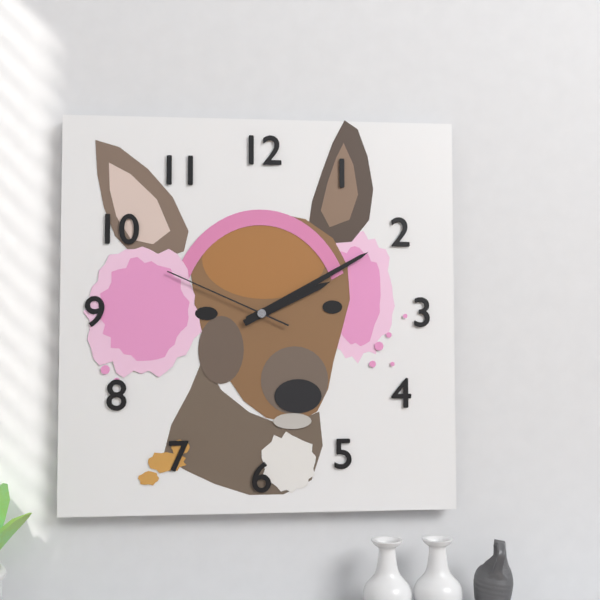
2:10:49
